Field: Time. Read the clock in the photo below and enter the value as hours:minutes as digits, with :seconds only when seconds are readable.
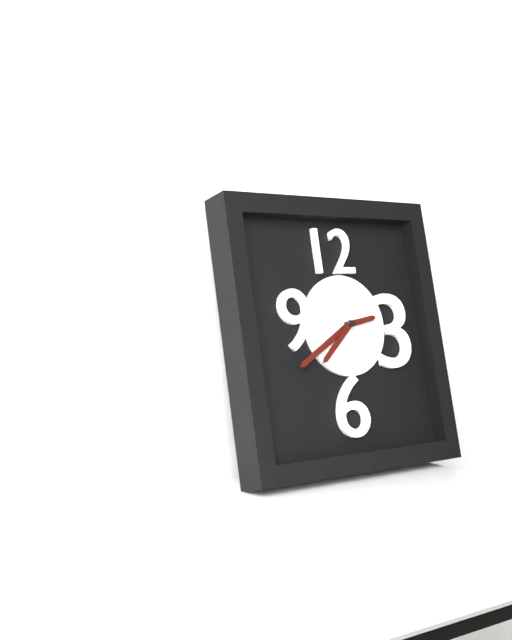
2:40:38
